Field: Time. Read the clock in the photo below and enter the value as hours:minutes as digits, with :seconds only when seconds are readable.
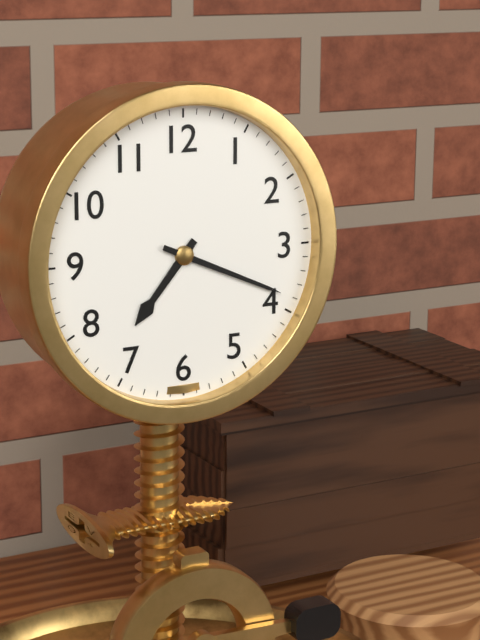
7:19
